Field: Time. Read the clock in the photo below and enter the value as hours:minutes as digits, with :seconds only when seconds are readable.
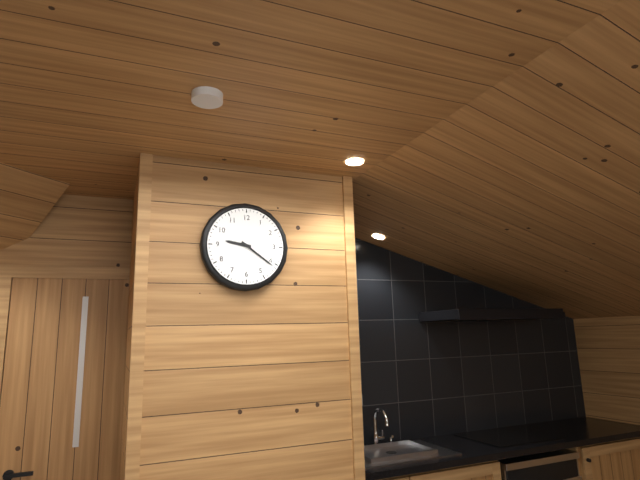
9:21
